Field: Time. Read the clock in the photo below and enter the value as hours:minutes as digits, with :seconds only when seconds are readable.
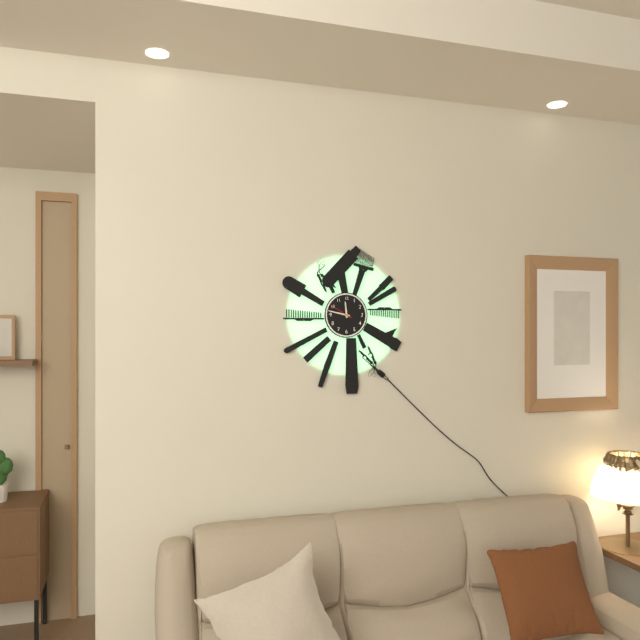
11:47
